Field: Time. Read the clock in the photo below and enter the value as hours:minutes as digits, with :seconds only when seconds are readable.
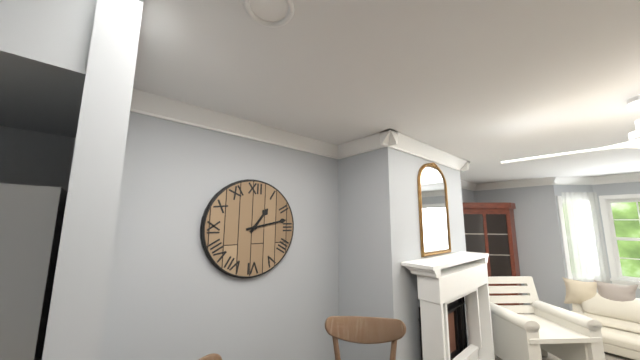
1:13
